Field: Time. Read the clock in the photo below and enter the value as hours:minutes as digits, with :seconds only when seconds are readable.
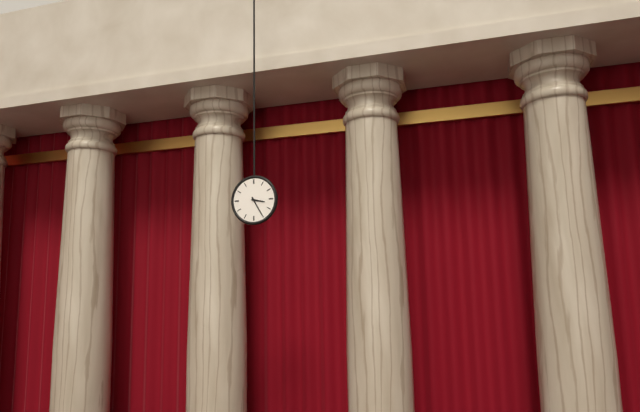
3:25
